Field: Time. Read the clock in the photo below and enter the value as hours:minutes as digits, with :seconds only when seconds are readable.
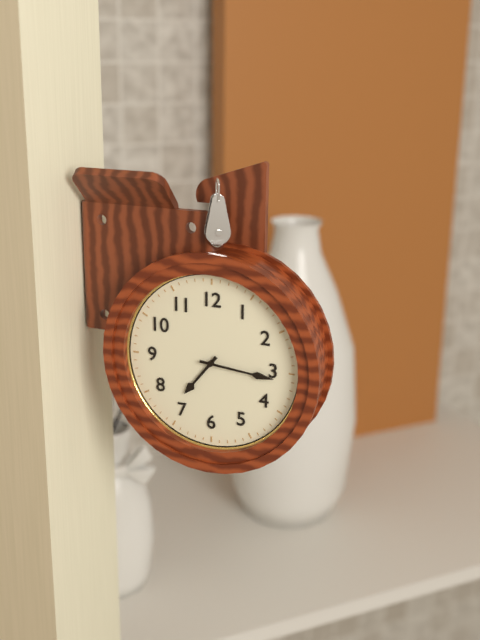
7:16
